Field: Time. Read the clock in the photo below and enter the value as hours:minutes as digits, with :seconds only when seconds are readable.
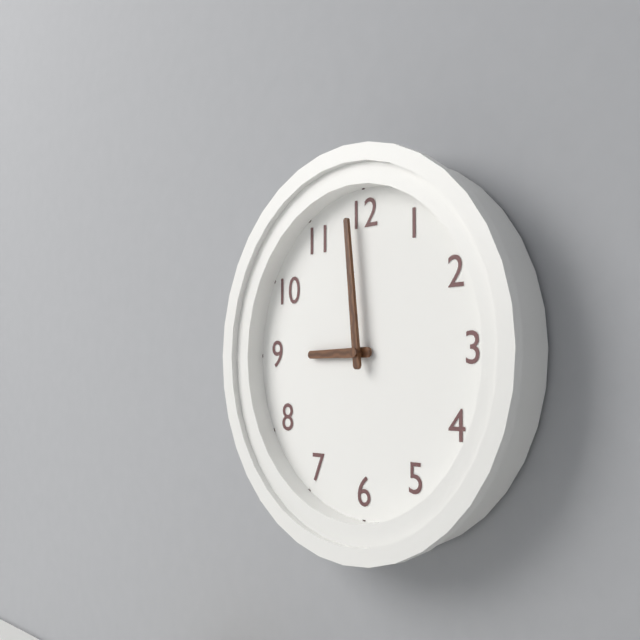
8:59
